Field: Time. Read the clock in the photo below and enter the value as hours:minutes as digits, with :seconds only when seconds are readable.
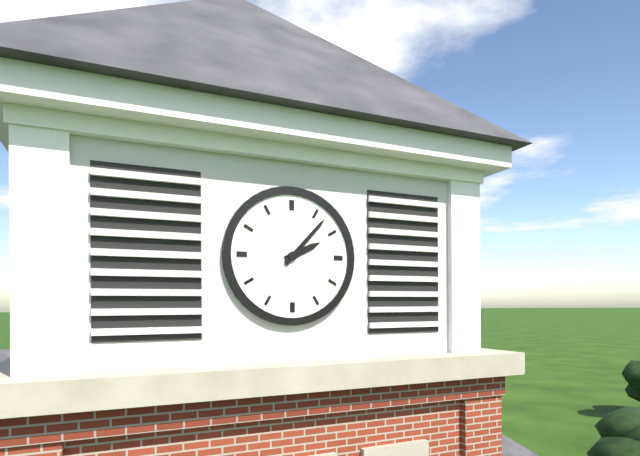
2:07
